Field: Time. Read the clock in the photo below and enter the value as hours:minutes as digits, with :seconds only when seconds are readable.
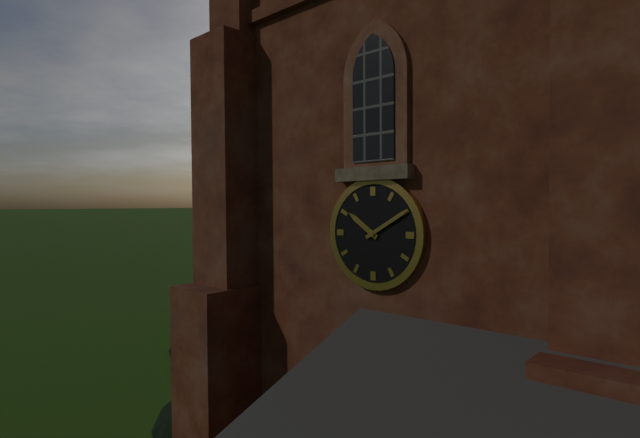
10:10
